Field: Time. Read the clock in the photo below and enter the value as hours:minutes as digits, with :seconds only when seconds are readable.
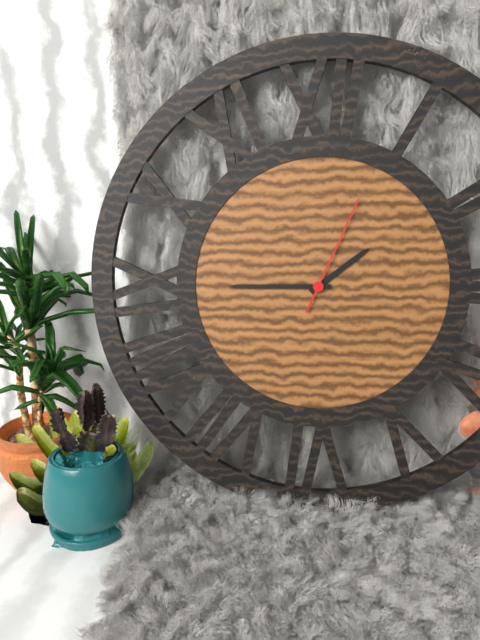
1:45:04
